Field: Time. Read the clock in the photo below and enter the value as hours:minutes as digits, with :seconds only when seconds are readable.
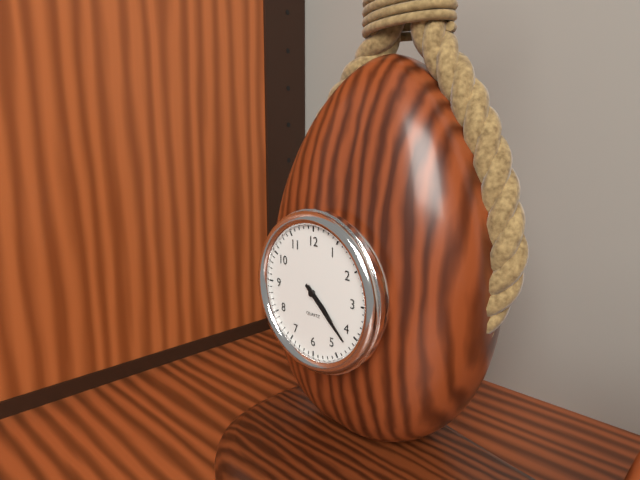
4:22
